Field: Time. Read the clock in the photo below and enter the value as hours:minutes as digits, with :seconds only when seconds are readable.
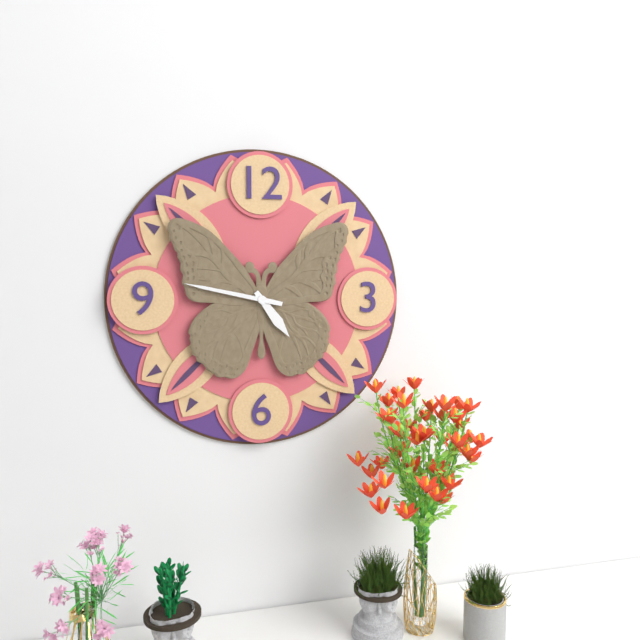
4:47
